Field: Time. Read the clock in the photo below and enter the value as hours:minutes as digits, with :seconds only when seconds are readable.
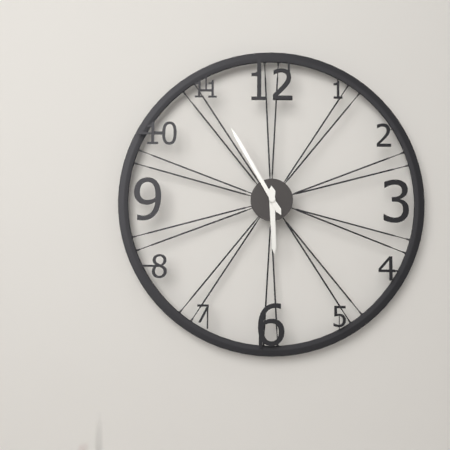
5:55
